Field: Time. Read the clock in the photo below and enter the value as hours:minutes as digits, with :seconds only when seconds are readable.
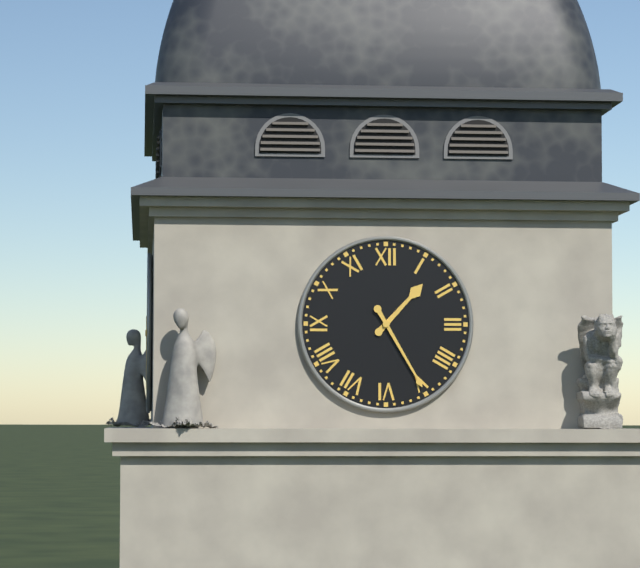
1:25
